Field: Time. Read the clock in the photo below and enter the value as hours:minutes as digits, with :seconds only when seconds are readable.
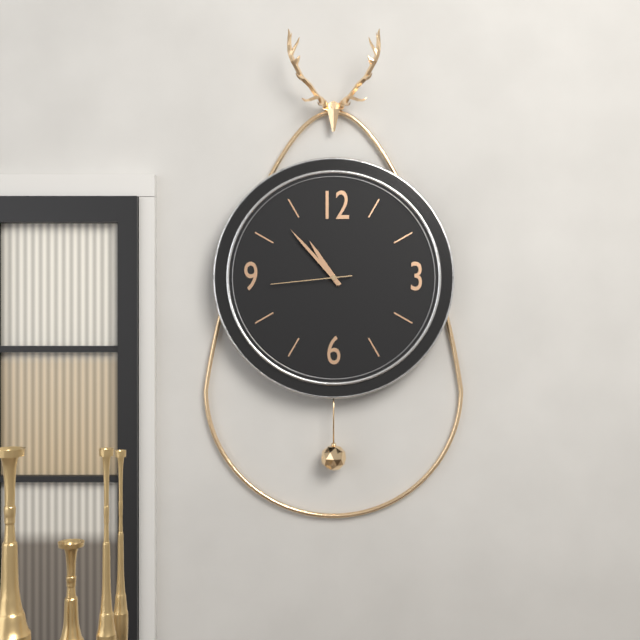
10:53:44
